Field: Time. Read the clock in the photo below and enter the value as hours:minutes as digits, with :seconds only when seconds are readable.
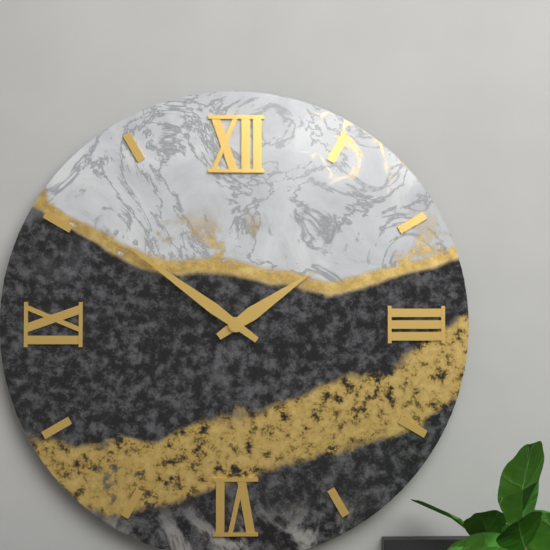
1:51
